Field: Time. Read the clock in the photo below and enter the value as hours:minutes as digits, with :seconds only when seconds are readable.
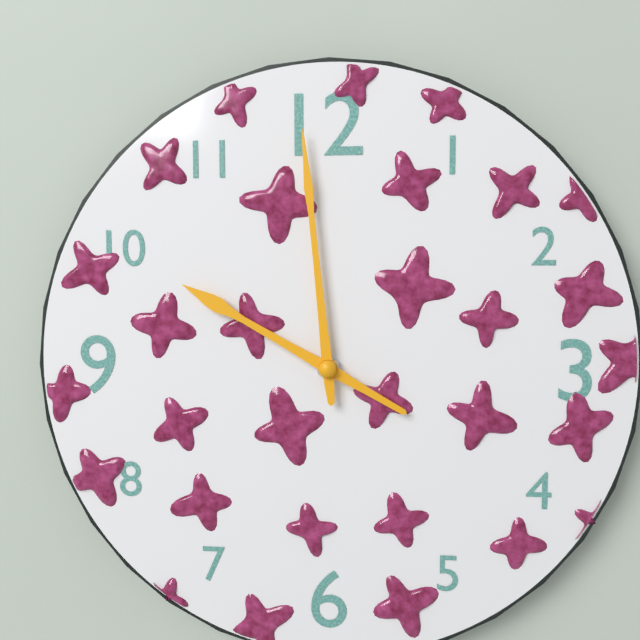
9:59
